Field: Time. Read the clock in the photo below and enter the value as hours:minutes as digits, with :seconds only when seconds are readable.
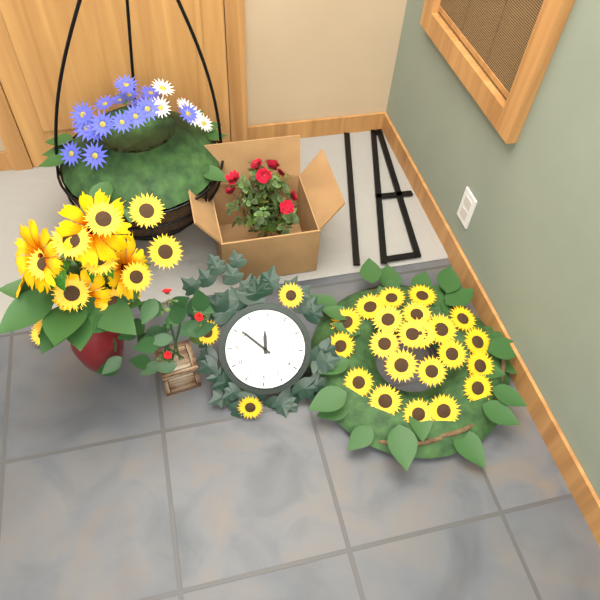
11:51
